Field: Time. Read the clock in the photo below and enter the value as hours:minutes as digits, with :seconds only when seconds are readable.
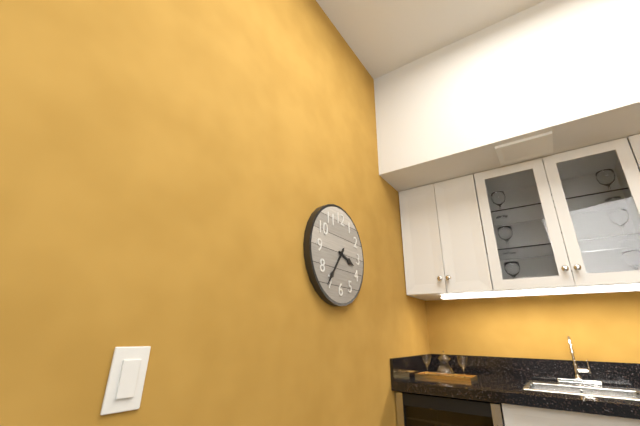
3:36
